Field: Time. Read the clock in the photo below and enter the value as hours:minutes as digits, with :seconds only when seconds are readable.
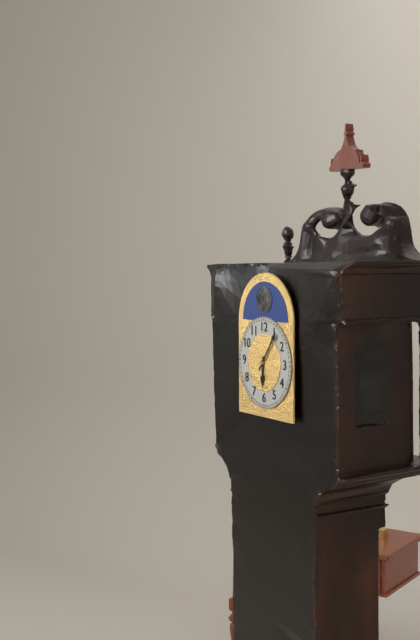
6:06
